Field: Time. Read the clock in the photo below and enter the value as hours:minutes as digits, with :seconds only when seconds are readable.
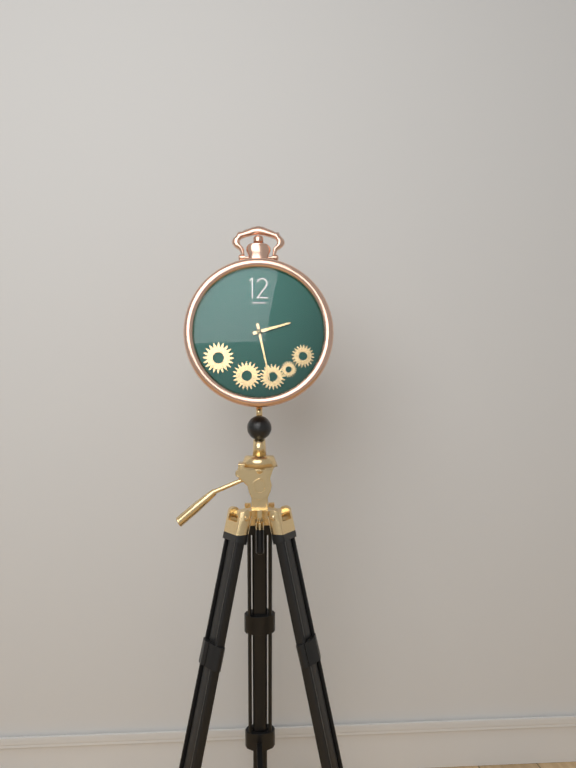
2:28
